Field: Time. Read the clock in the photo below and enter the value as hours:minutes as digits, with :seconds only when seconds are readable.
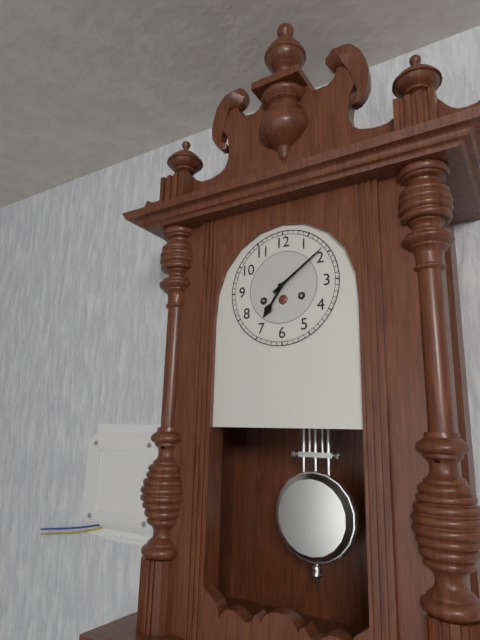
7:09
